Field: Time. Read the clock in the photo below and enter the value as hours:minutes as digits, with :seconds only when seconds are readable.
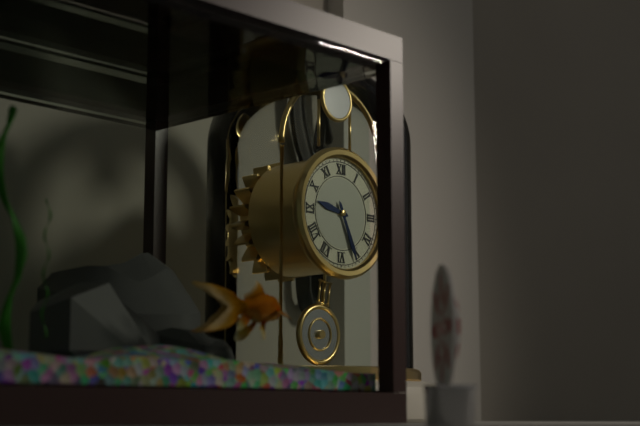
9:26
